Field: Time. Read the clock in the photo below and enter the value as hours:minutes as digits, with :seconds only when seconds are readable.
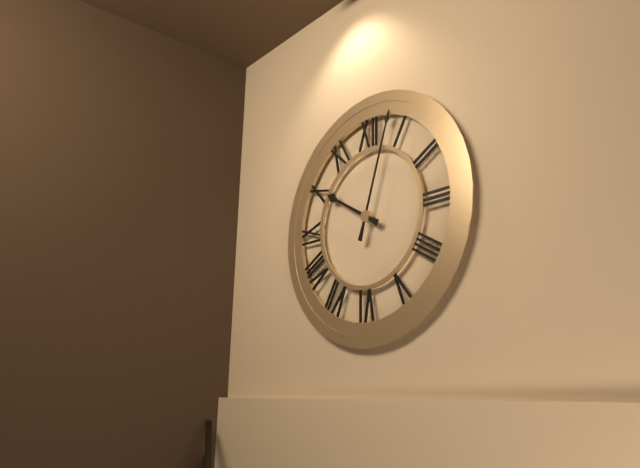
10:03
